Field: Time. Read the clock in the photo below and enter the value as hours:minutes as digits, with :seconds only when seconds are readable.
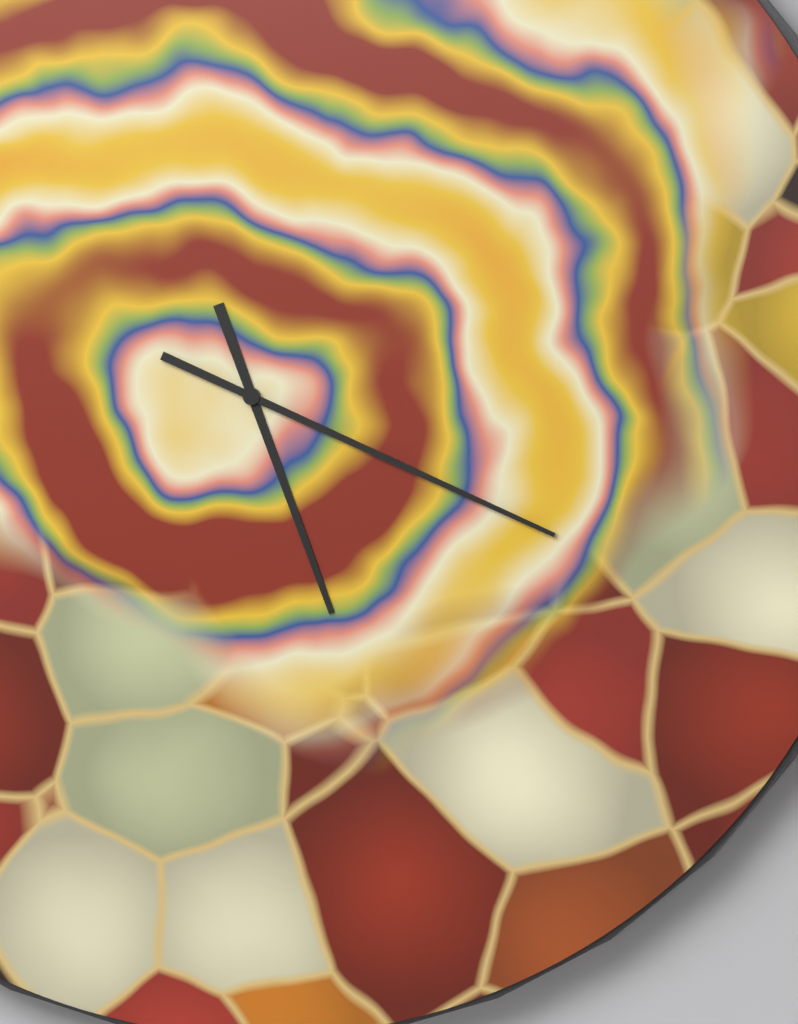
5:19
